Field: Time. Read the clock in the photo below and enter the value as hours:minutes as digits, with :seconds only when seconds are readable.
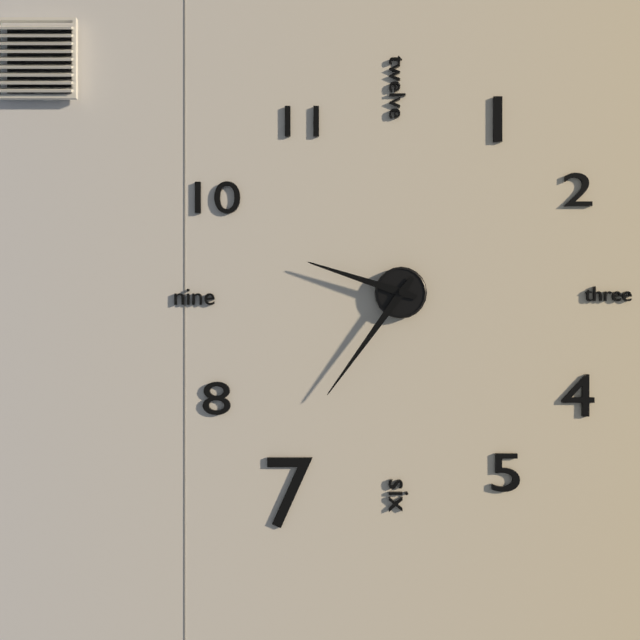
9:36
